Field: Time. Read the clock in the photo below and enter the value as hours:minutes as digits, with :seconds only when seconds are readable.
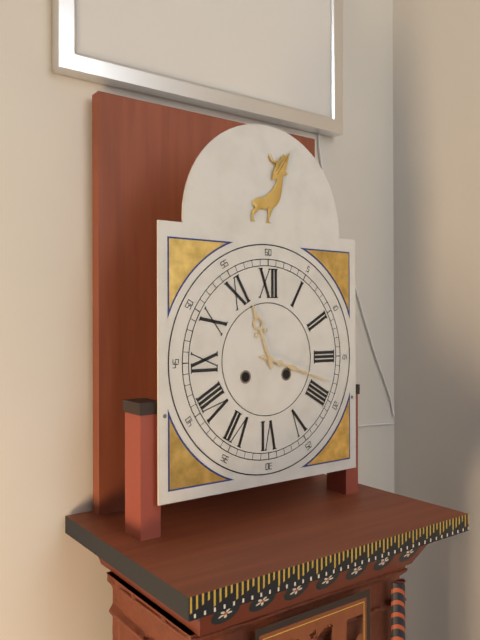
11:18
